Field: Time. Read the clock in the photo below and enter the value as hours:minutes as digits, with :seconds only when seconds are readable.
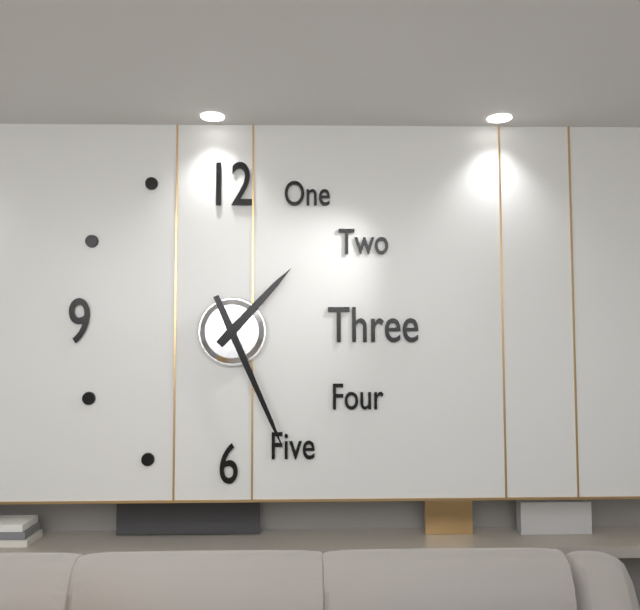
1:26
